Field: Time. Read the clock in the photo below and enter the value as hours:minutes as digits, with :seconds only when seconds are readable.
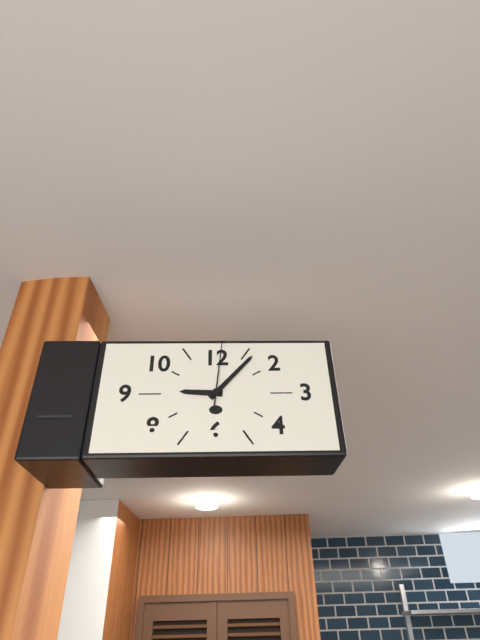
9:07:01
